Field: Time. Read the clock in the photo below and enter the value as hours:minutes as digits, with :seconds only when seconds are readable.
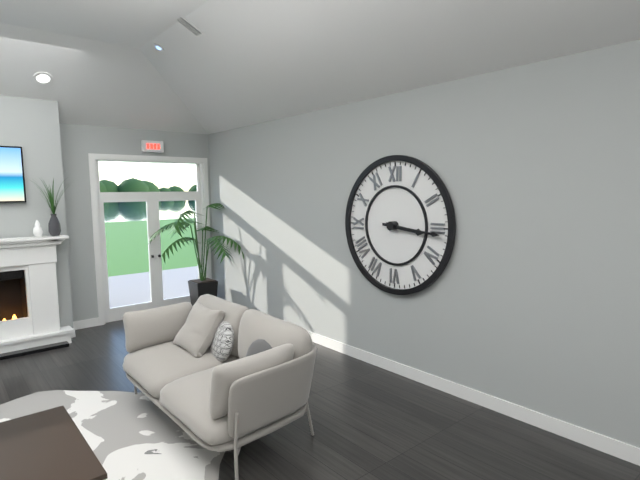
3:16
